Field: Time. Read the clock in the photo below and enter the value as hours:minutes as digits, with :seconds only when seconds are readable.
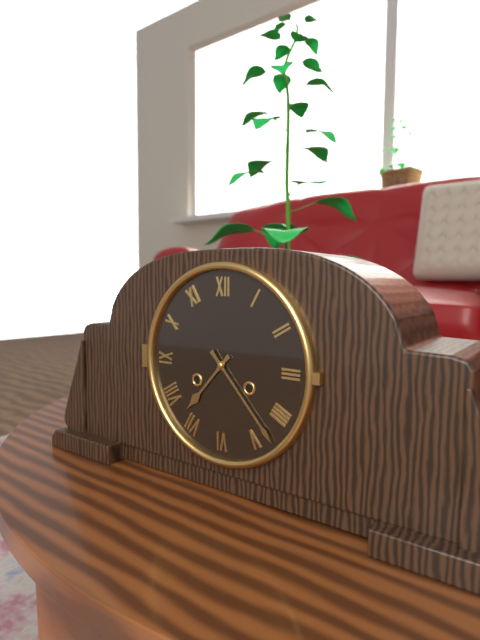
7:23
